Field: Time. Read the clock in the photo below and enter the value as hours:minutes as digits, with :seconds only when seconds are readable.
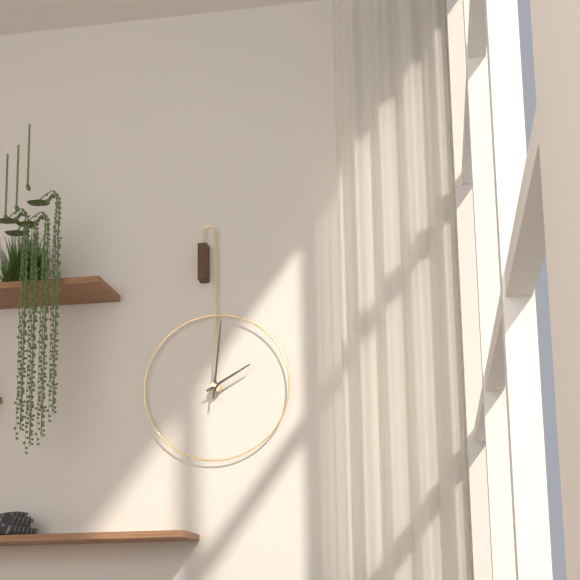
2:01
